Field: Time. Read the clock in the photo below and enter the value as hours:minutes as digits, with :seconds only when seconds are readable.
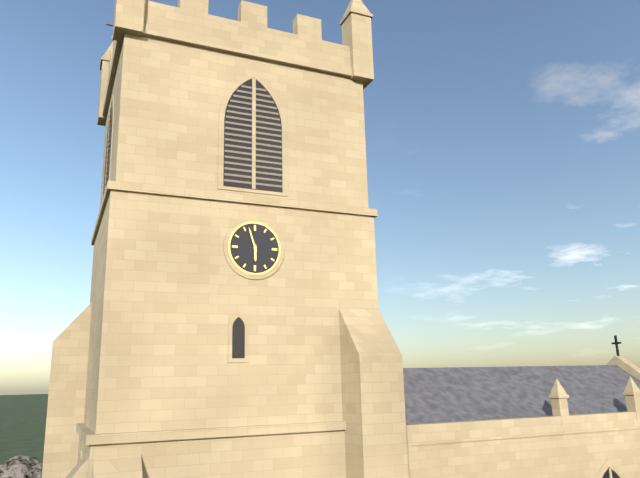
5:57
